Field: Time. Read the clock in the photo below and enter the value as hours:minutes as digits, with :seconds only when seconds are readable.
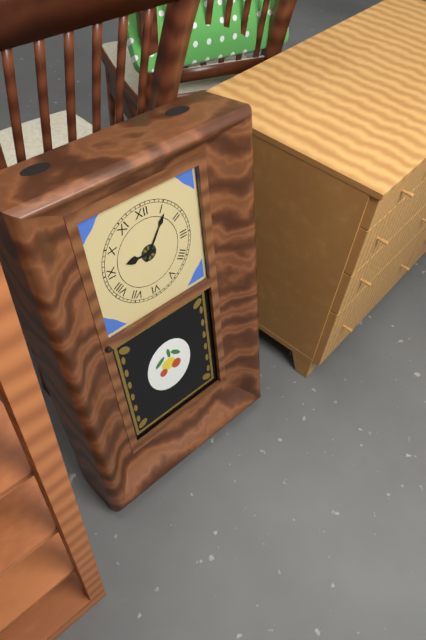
9:06
